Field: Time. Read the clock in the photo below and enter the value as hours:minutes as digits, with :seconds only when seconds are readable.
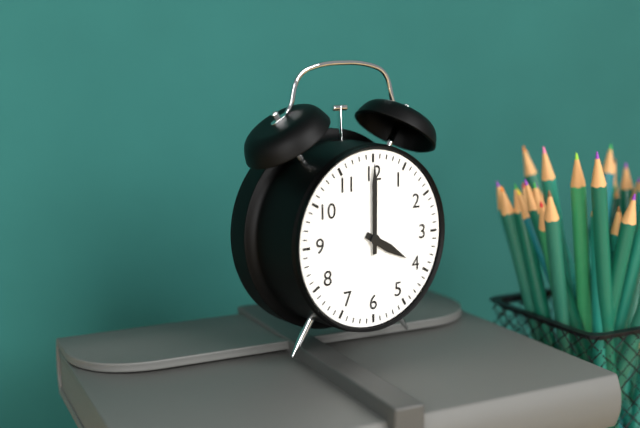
4:00
